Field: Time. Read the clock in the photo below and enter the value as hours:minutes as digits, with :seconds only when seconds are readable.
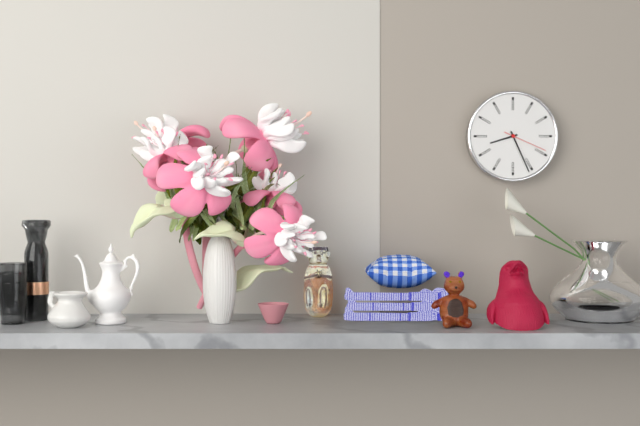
8:26
